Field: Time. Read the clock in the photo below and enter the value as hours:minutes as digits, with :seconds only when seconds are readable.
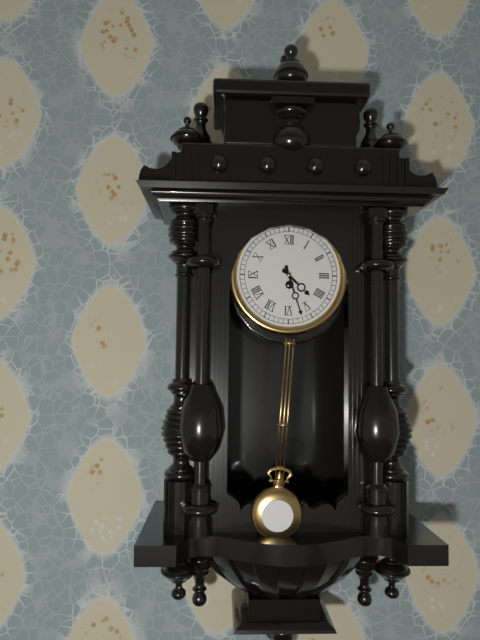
4:27
